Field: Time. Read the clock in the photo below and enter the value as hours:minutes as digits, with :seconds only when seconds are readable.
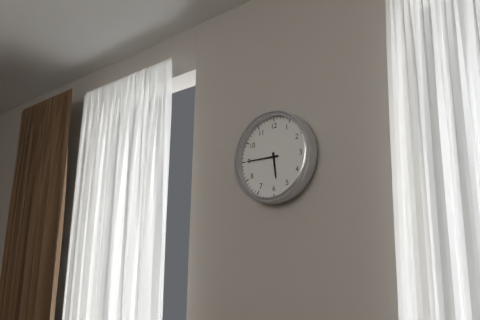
5:45
